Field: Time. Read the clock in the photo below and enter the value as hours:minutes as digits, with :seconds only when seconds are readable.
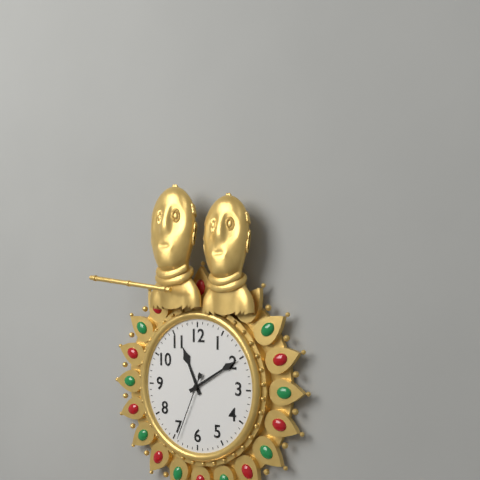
11:10:34
